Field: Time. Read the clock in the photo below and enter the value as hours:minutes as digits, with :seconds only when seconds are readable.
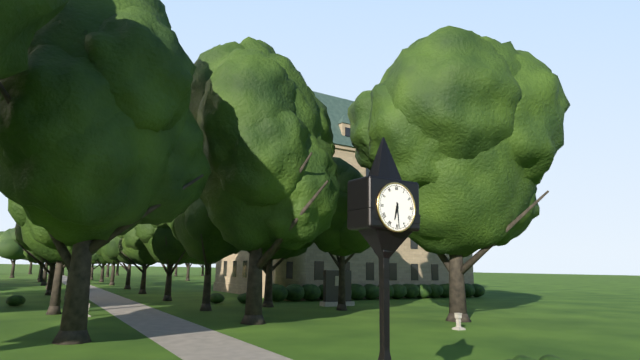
6:29
